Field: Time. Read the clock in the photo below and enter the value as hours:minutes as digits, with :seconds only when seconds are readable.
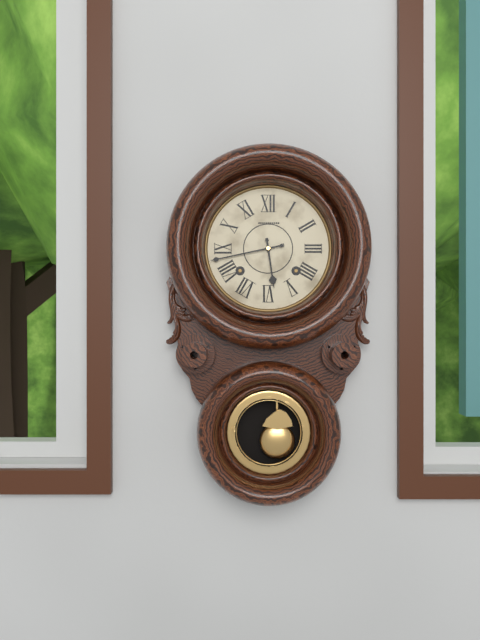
5:43
